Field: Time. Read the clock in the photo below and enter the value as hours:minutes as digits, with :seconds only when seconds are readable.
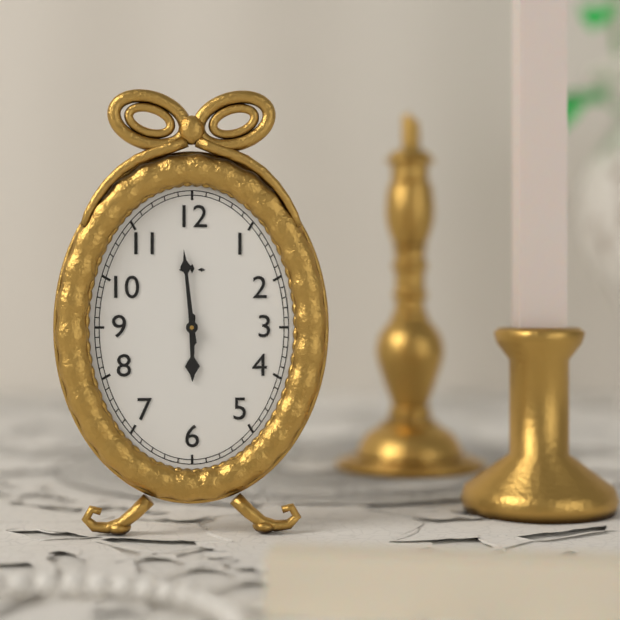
5:59
